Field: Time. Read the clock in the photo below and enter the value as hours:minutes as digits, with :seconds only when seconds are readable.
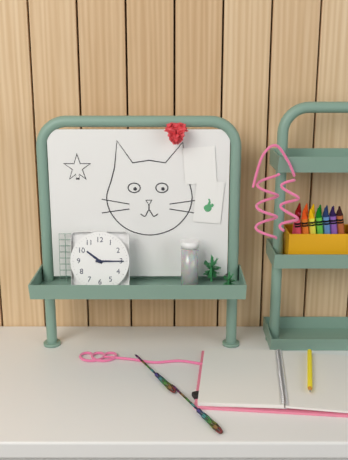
10:15
